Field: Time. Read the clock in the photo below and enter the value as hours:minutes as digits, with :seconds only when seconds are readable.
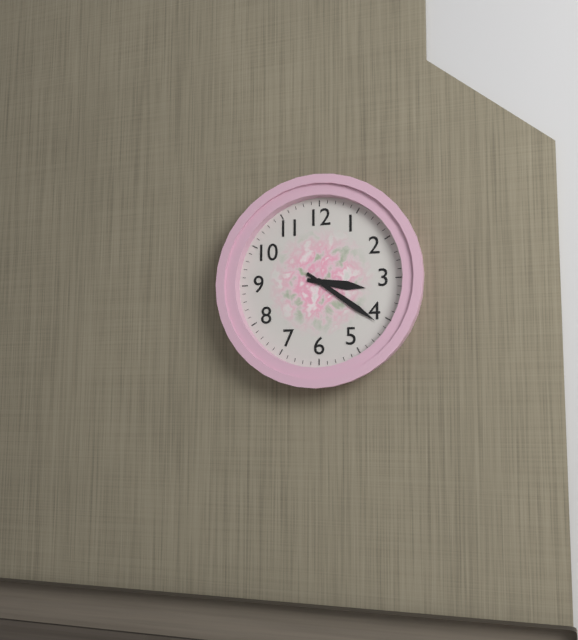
3:21
